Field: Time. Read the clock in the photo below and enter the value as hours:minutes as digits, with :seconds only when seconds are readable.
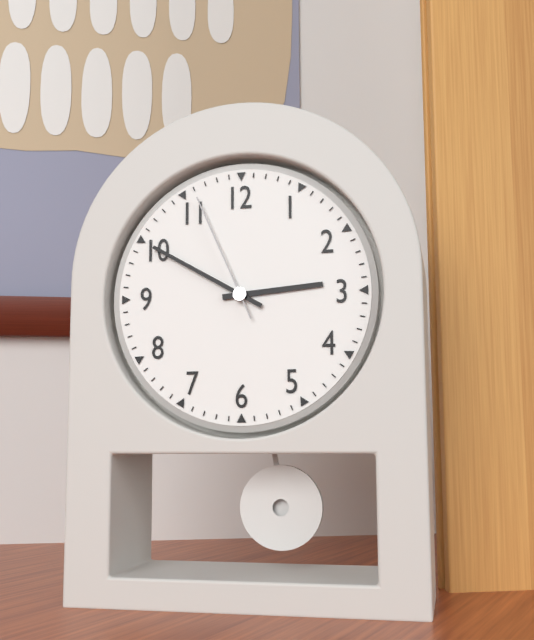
2:50:56
